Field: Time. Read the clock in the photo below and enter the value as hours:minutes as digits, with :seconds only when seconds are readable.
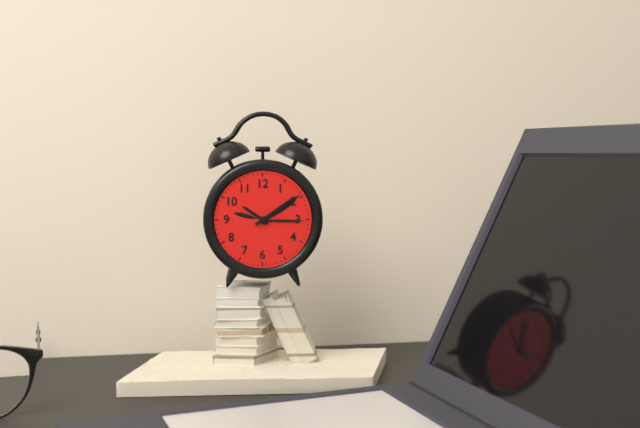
10:09
